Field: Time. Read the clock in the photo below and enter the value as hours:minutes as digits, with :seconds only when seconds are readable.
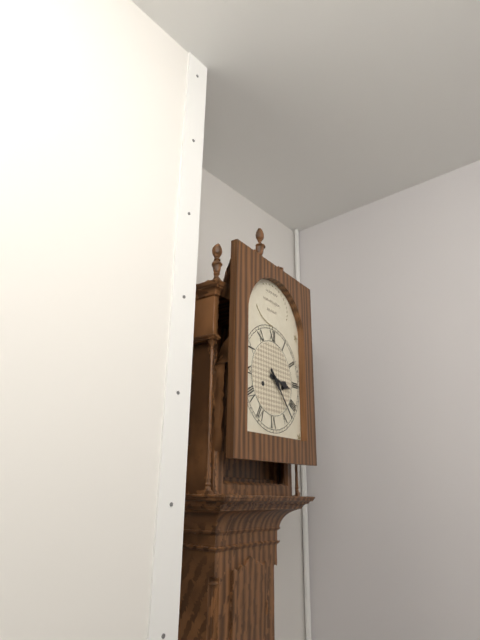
3:23
